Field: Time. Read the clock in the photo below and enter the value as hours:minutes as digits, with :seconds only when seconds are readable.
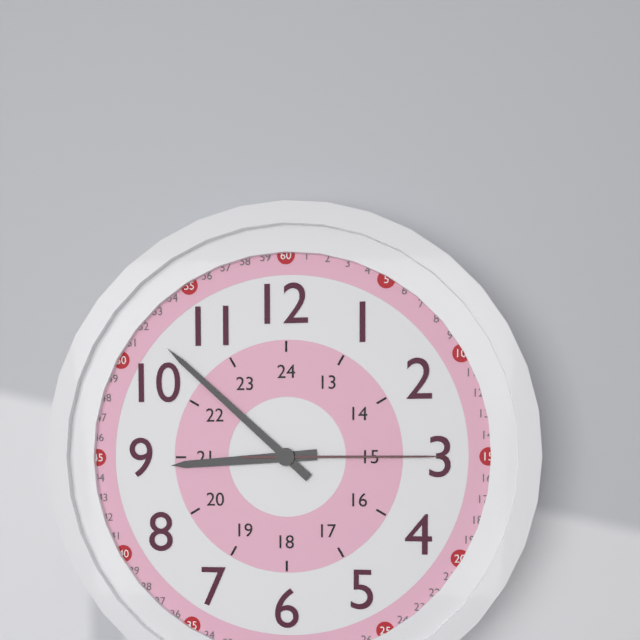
8:52:15
